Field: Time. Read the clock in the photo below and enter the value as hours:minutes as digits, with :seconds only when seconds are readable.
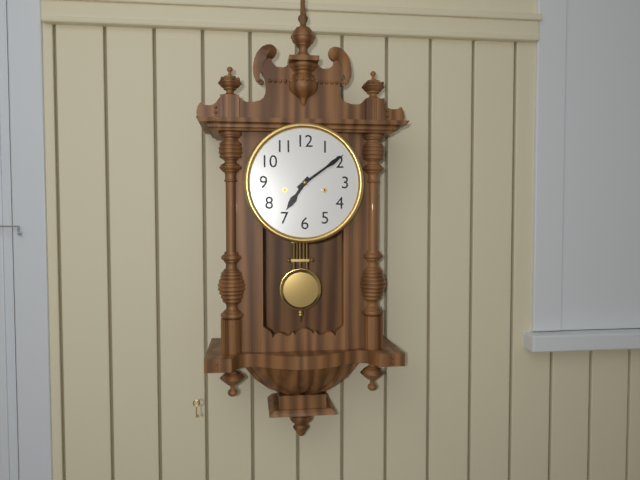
7:09
